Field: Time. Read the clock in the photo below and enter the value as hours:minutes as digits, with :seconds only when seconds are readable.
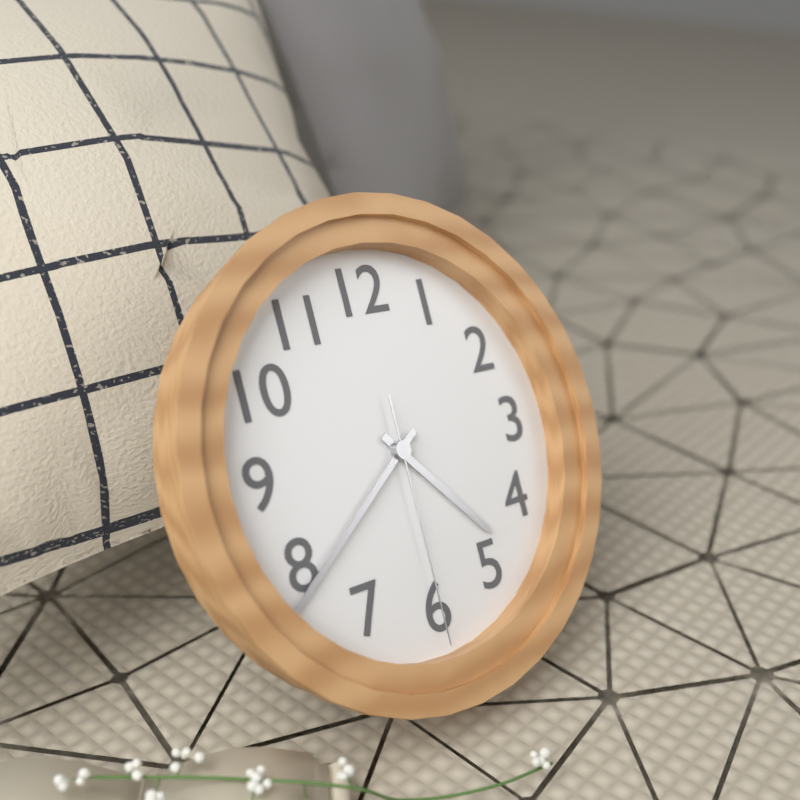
4:39:30
